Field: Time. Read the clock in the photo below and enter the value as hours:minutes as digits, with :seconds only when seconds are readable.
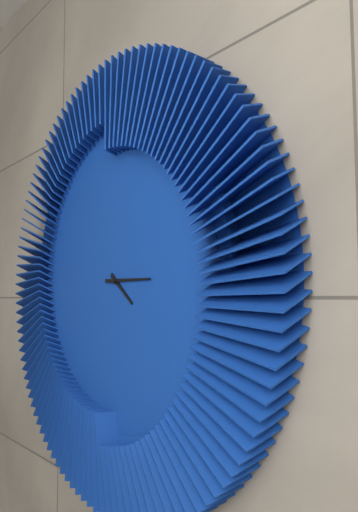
4:15
